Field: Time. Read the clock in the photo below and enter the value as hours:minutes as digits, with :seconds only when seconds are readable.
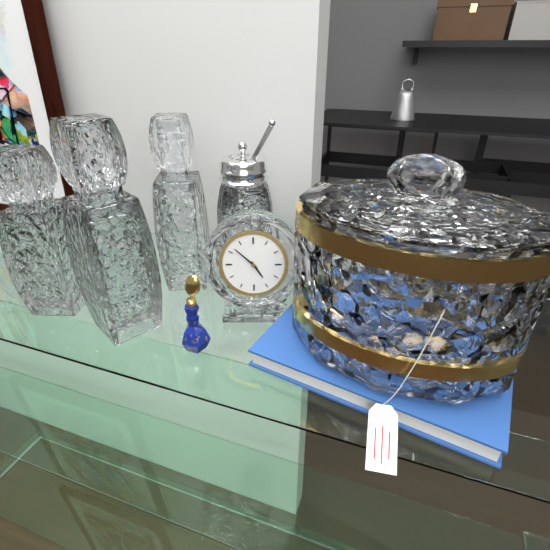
4:52
